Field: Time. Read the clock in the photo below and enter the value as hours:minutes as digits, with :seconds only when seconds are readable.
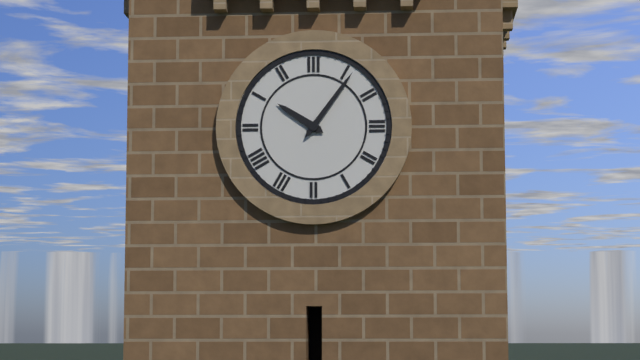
10:06
